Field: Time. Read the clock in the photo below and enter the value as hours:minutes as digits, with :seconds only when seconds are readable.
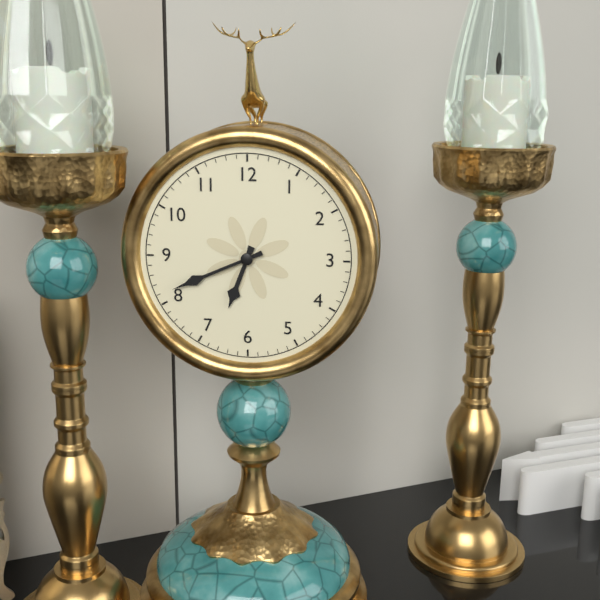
6:41
